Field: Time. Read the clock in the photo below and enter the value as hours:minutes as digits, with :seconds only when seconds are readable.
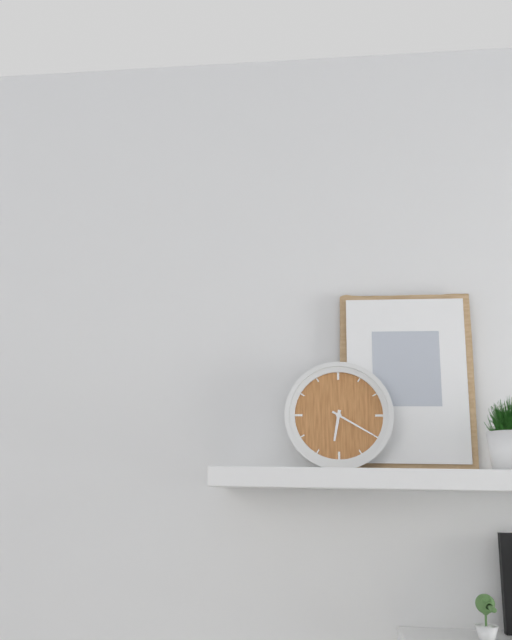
6:20
